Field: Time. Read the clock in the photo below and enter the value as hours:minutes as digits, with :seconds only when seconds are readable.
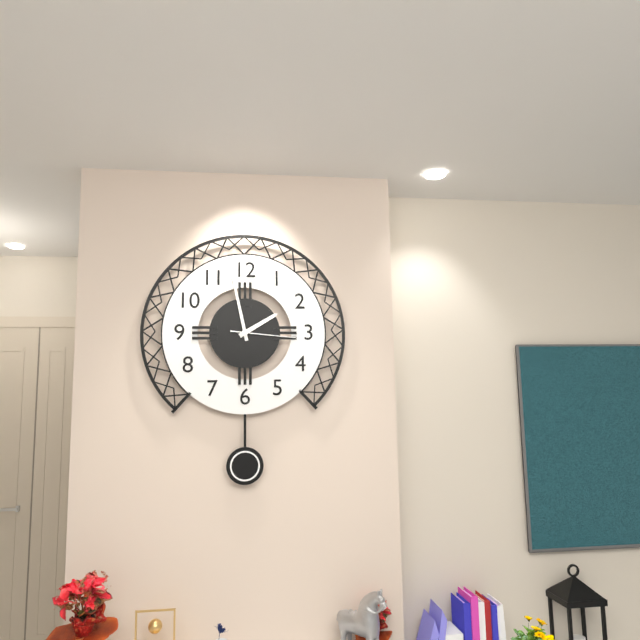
1:58:16
